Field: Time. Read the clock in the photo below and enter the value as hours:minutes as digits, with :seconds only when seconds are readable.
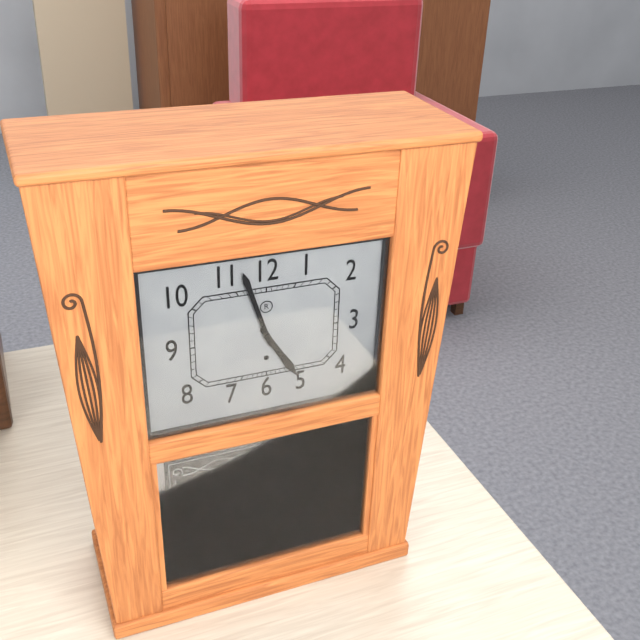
4:57
